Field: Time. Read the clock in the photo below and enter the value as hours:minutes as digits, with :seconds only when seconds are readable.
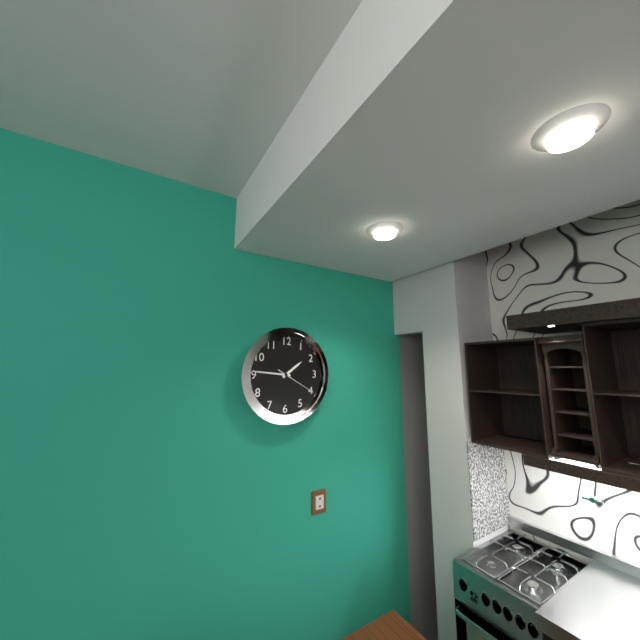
1:46
